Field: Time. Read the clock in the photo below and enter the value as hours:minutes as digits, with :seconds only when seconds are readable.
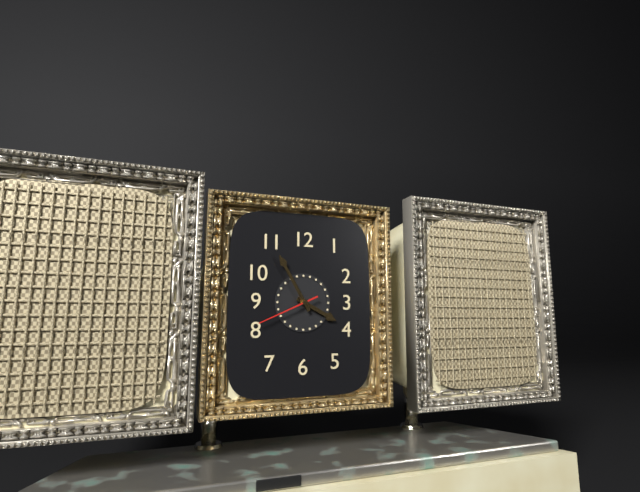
3:55:41
